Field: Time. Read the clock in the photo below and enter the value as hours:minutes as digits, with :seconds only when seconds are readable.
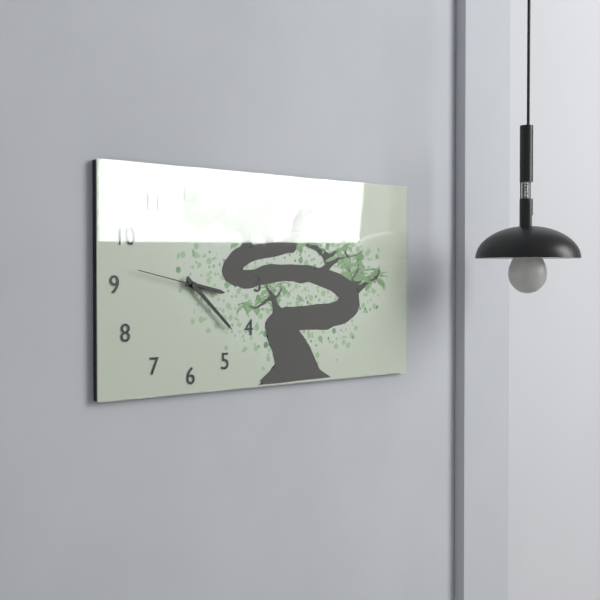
3:22:47
